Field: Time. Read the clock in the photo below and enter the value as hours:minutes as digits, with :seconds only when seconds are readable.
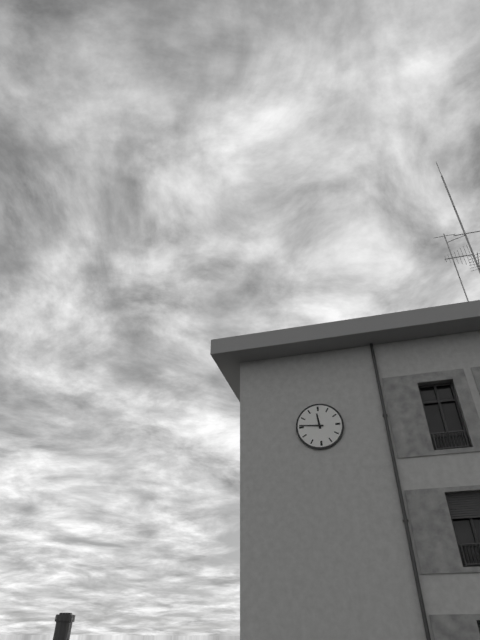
11:46
